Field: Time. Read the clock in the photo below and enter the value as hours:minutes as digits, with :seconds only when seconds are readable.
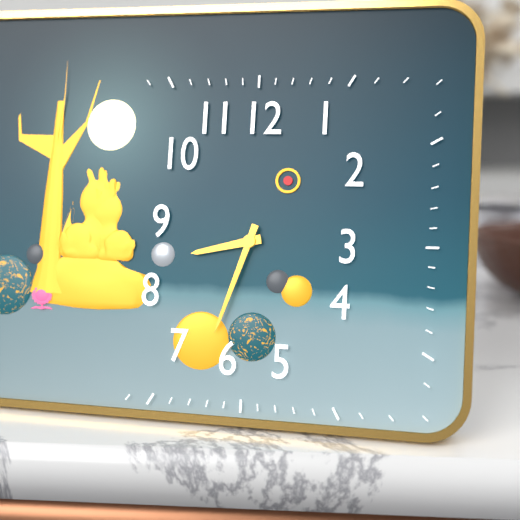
8:33
